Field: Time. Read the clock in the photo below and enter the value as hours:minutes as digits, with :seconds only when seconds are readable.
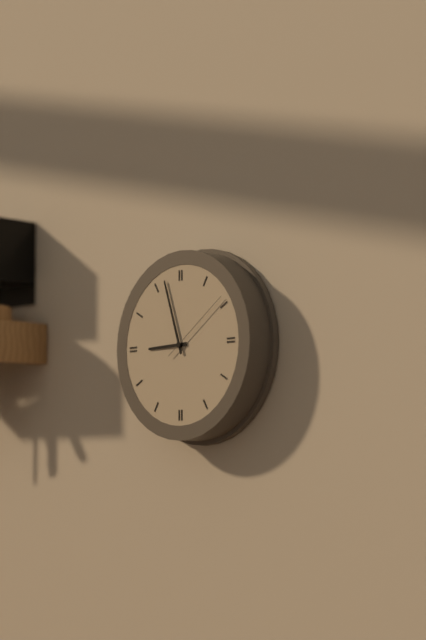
8:57:09
